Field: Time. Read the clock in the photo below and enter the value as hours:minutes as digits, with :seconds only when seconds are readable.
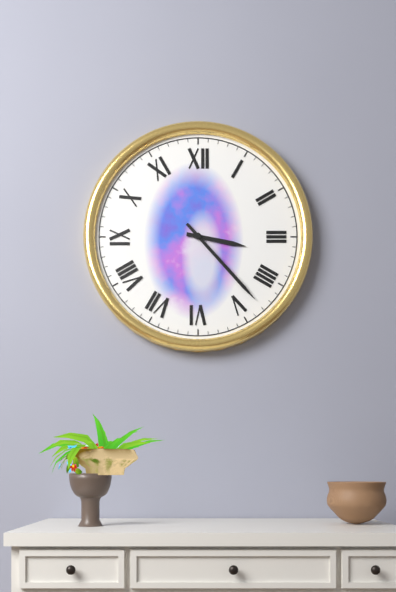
3:23
